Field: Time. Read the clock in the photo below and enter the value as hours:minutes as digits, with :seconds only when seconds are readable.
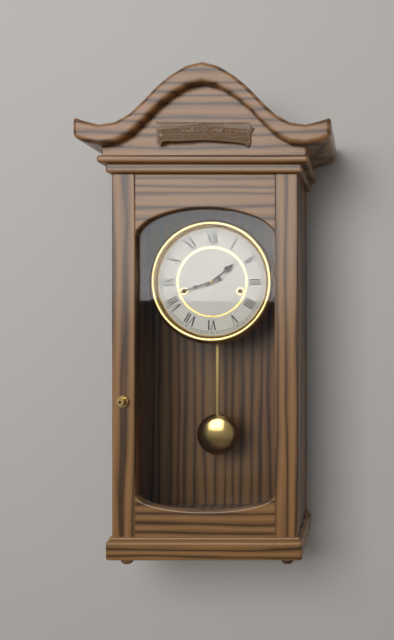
1:42
